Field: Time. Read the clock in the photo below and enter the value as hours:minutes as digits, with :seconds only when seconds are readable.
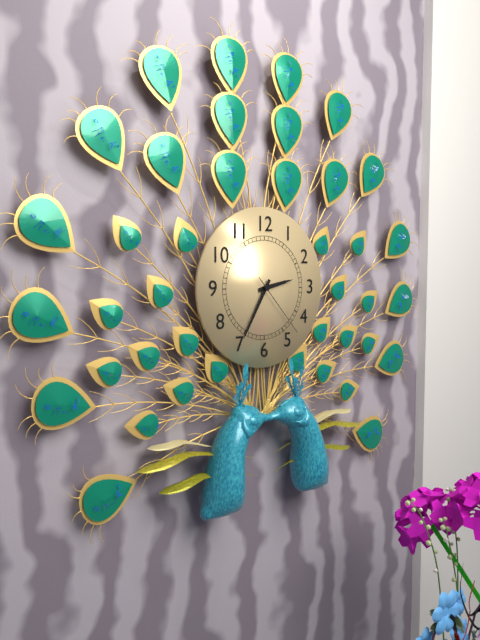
2:35:23
